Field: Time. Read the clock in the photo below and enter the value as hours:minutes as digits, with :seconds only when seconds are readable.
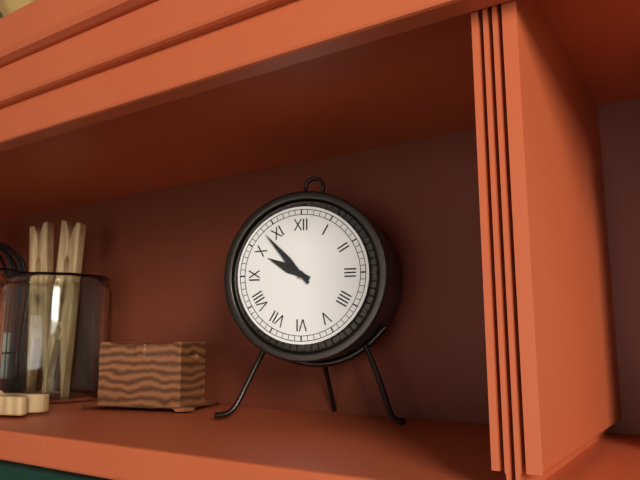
9:53
